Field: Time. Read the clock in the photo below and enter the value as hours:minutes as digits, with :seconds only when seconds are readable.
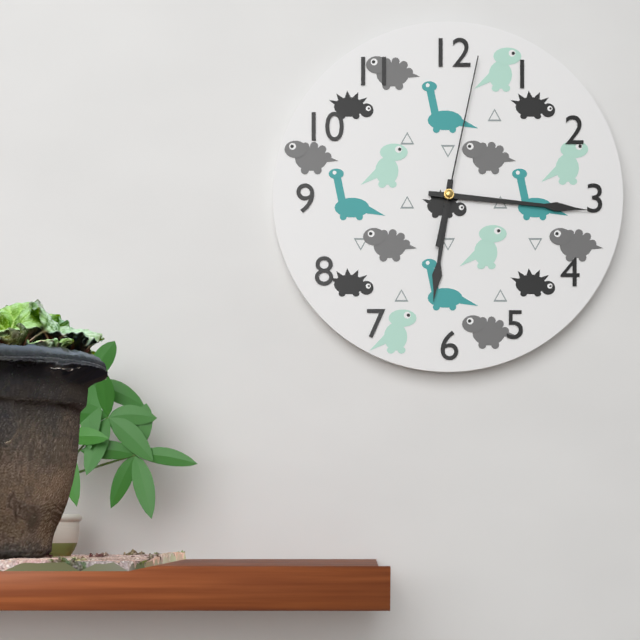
6:16:02
